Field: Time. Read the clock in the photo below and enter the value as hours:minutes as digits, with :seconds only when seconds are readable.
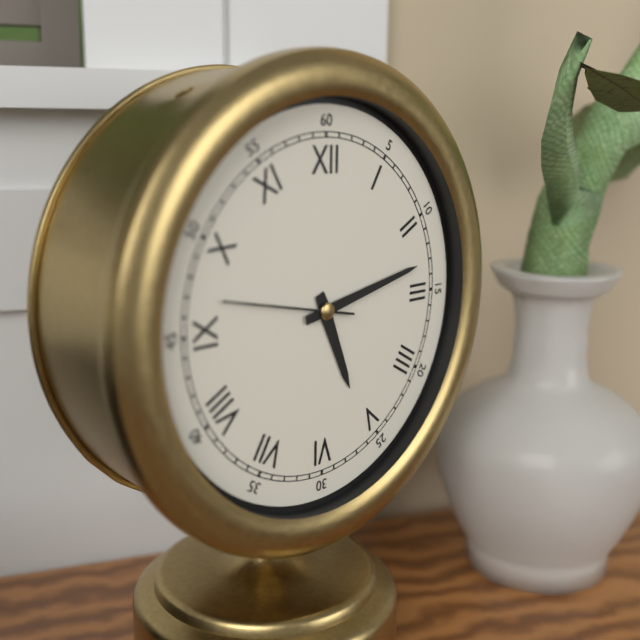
5:13:47
